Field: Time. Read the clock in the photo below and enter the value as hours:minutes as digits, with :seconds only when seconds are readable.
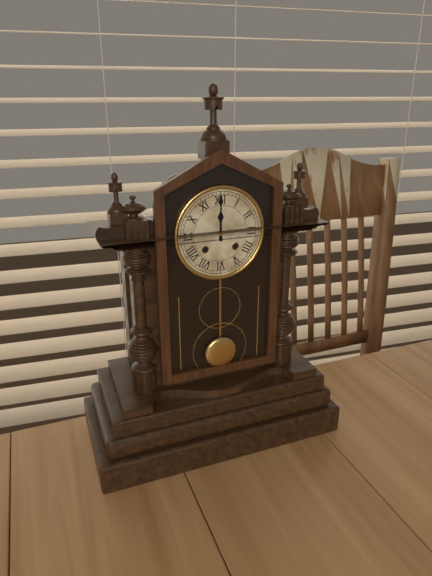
12:00
